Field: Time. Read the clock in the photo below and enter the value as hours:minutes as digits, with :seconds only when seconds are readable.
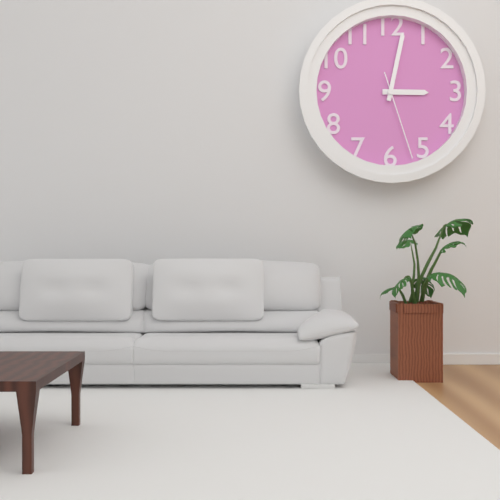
3:02:27
